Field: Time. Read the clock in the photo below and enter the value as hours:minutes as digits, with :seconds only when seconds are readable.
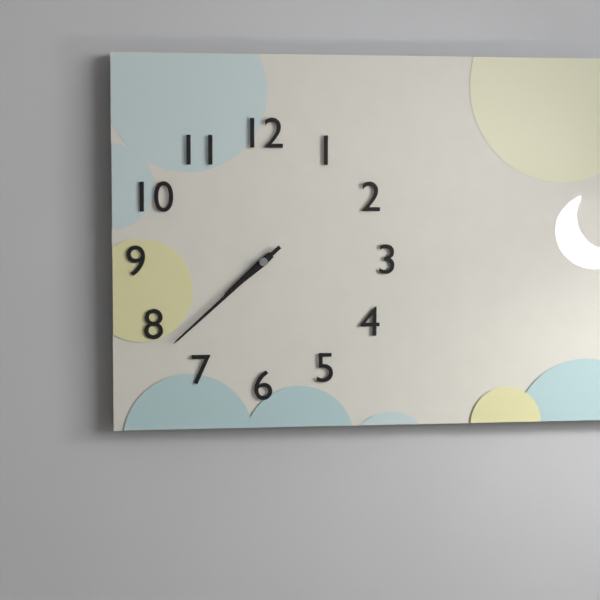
7:38
